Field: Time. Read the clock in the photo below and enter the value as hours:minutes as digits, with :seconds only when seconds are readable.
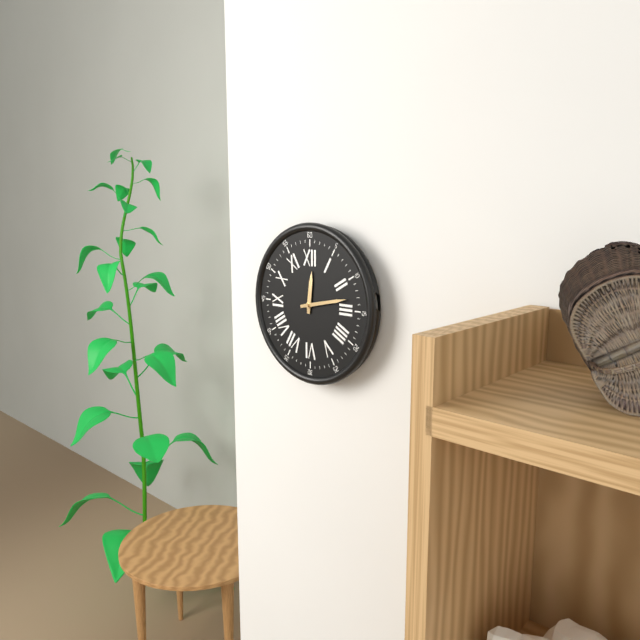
12:13
